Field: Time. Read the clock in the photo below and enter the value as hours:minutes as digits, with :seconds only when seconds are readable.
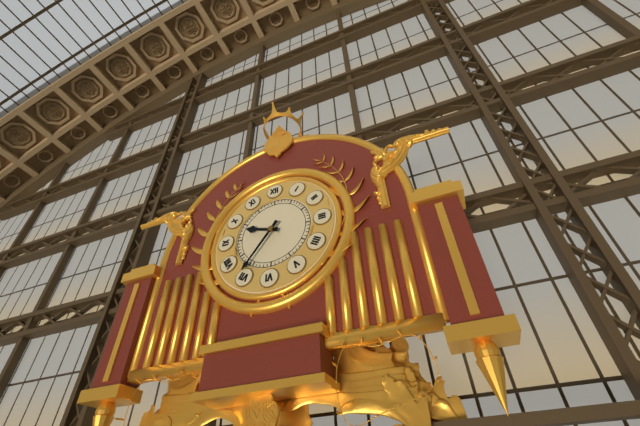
9:36
